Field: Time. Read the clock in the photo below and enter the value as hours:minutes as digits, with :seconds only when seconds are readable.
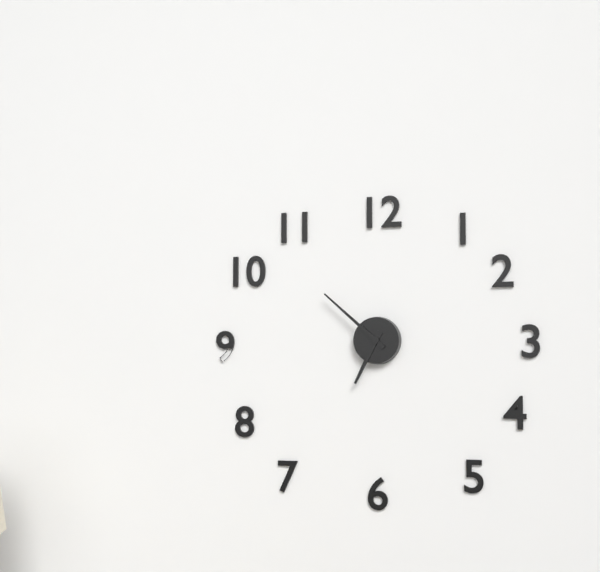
6:52
